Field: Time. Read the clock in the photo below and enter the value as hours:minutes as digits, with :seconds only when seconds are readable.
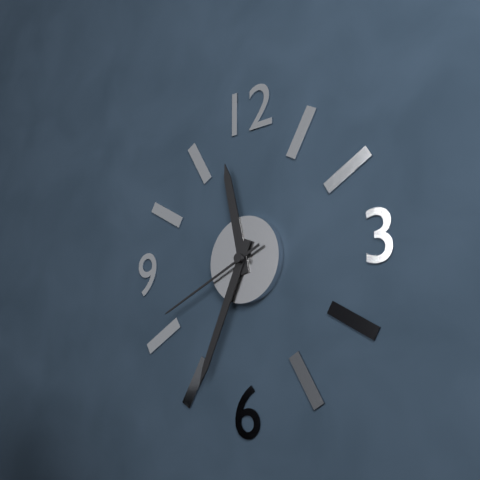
11:34:41
